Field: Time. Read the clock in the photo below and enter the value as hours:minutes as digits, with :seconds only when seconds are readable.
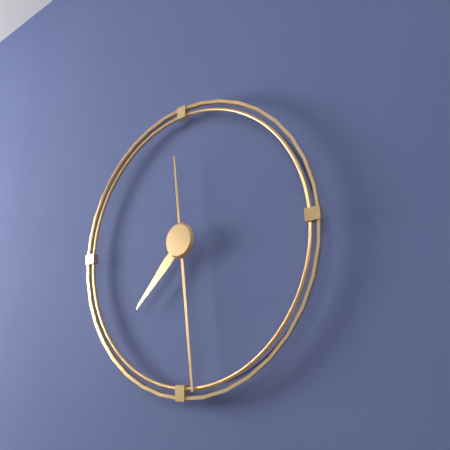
7:29
